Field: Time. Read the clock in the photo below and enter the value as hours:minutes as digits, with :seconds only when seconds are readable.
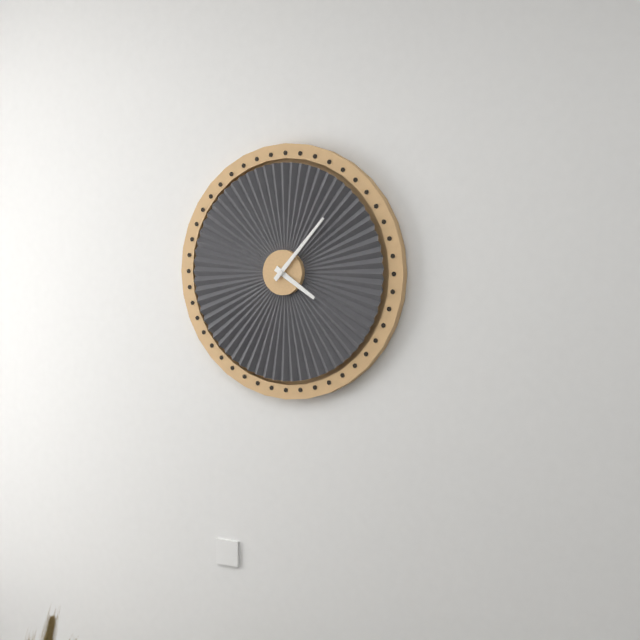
4:07
